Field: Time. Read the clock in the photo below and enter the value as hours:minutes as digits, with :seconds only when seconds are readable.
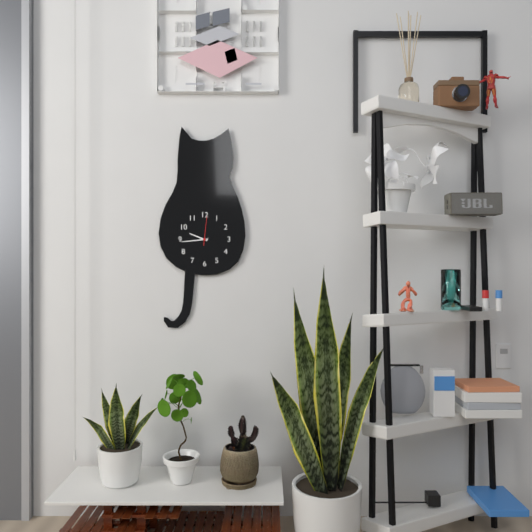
9:44
